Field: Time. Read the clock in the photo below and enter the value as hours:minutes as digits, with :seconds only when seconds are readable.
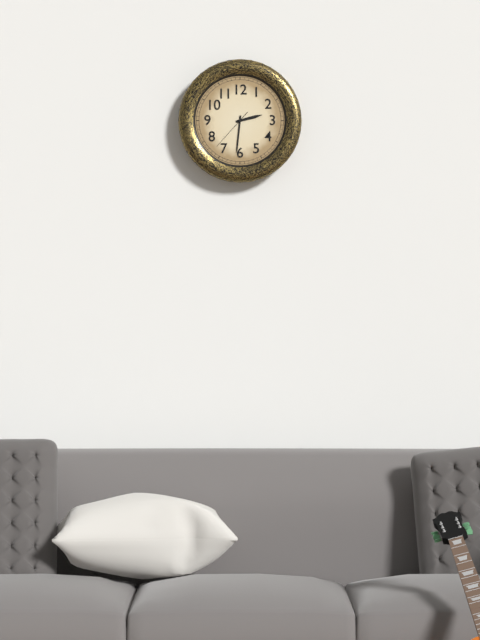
2:31
